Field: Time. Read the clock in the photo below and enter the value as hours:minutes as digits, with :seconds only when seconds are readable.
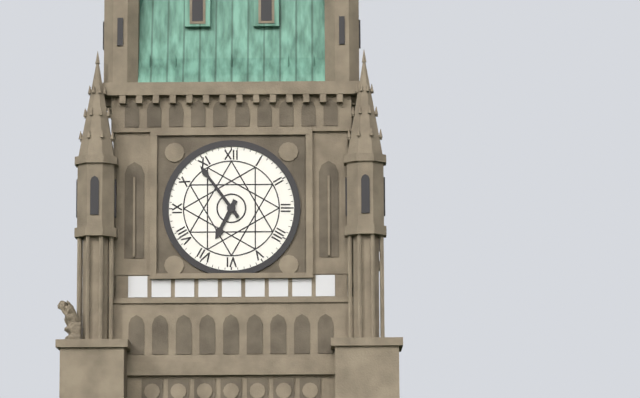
6:54
